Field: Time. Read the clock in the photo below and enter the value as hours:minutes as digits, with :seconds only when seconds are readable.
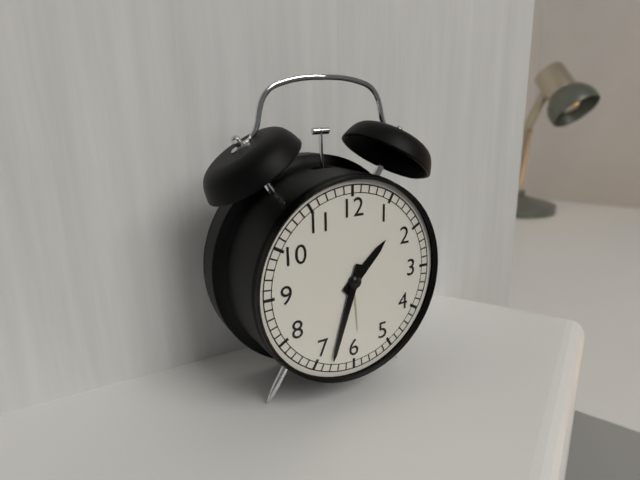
1:33
